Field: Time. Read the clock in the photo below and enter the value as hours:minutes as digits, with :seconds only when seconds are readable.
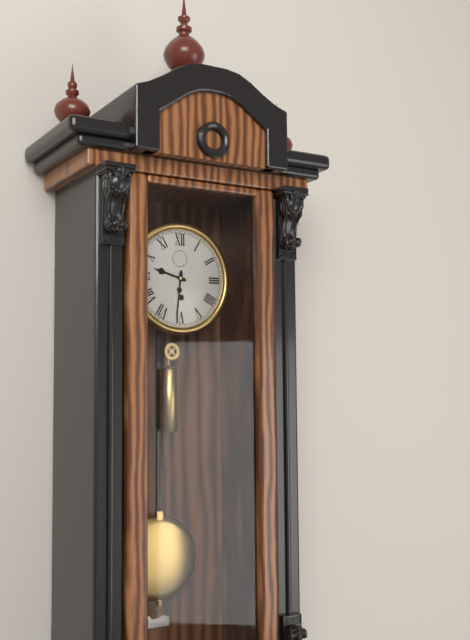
9:31
